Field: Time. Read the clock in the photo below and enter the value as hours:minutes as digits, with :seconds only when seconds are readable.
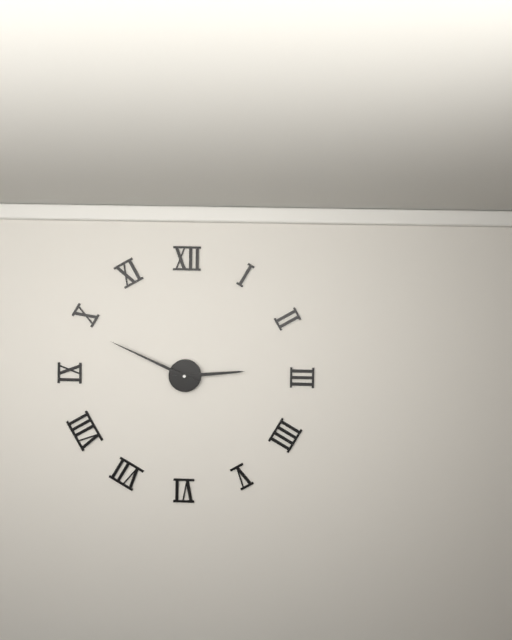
2:49
